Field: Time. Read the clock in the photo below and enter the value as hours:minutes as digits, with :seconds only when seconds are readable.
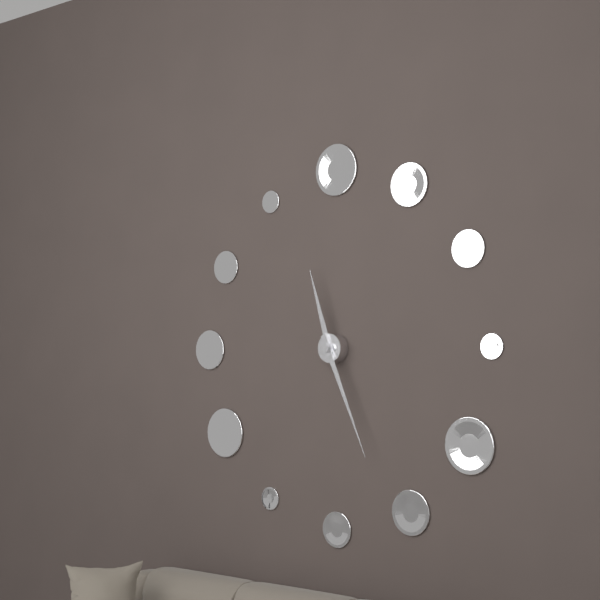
11:26
